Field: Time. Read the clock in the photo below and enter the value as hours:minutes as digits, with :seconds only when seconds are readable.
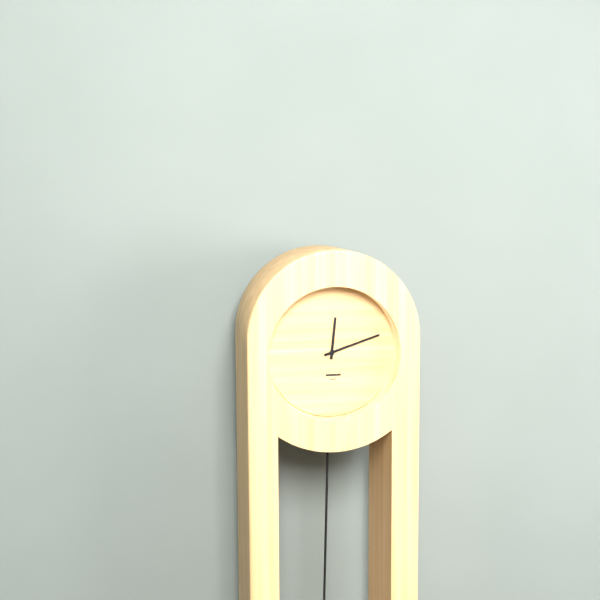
12:12
